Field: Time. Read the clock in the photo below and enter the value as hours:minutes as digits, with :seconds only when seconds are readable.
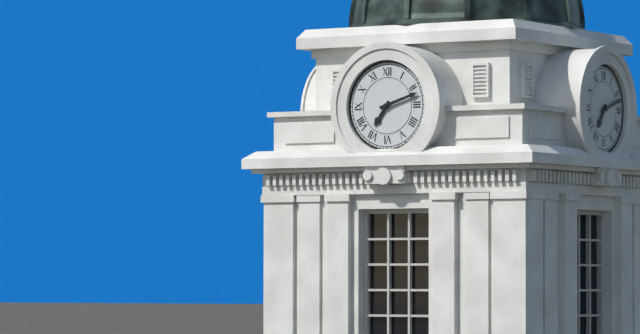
7:12
